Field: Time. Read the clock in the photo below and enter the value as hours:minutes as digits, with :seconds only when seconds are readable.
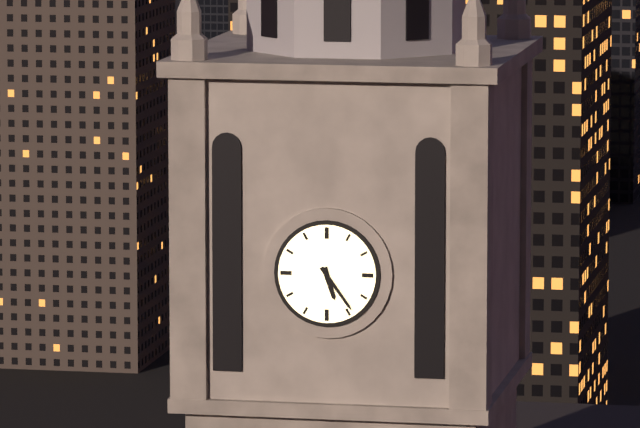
5:24
